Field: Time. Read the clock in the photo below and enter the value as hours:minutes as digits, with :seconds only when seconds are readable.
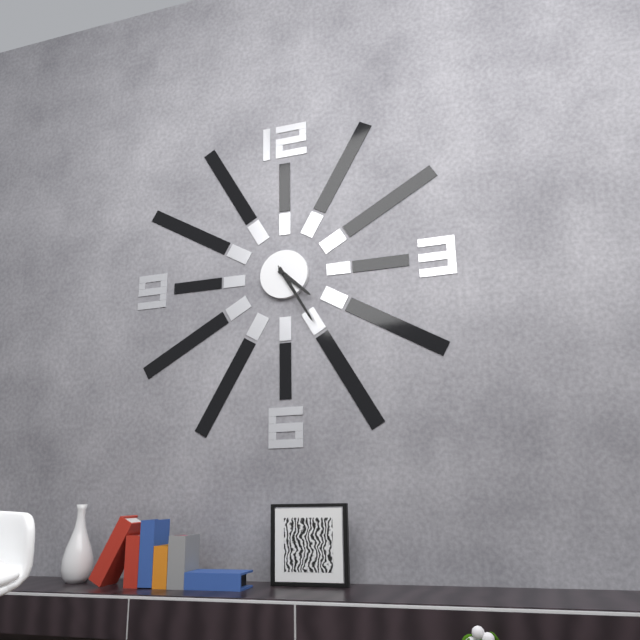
4:25
